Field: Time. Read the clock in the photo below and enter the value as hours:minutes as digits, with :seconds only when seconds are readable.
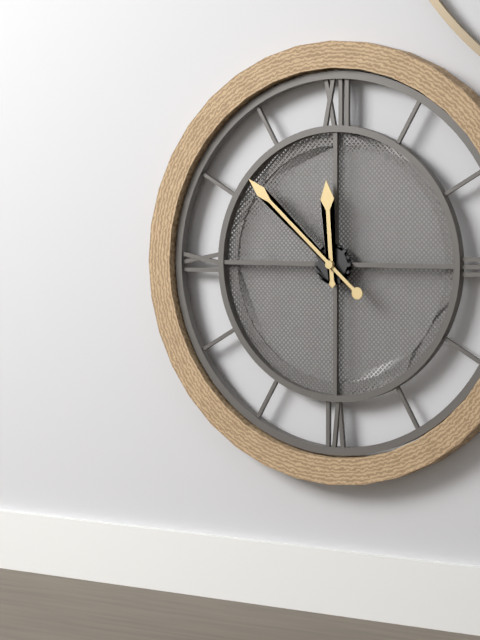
11:52
